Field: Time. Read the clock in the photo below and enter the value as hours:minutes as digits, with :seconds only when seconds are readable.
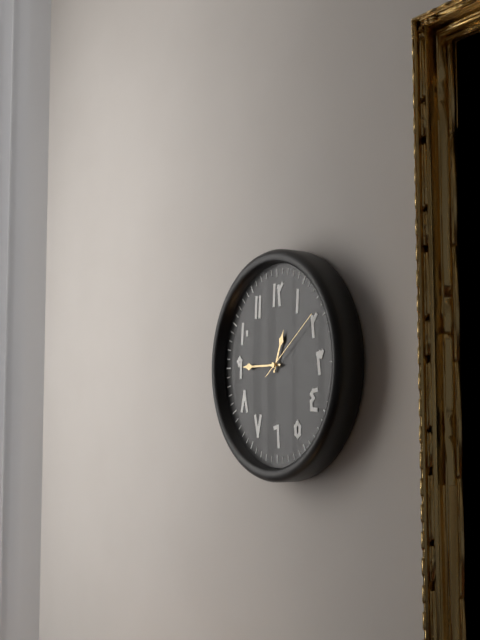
12:45:09
